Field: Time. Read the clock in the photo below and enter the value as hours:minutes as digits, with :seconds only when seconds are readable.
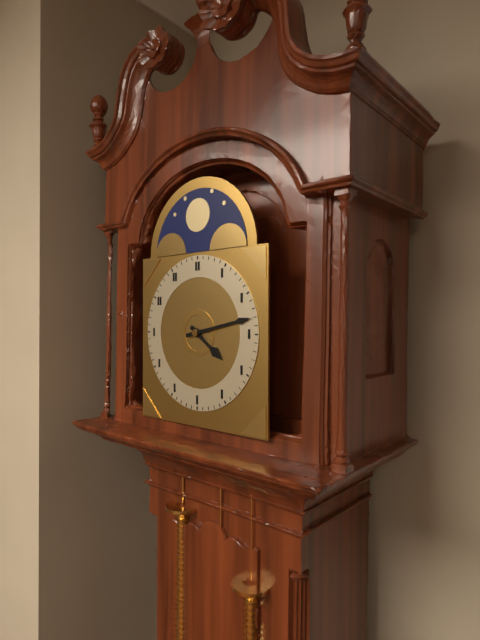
4:13
